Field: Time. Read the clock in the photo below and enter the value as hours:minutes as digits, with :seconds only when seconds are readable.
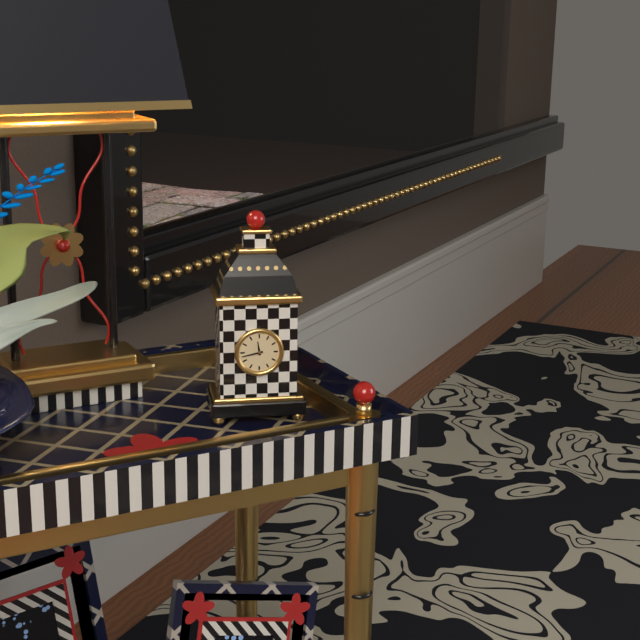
11:43
